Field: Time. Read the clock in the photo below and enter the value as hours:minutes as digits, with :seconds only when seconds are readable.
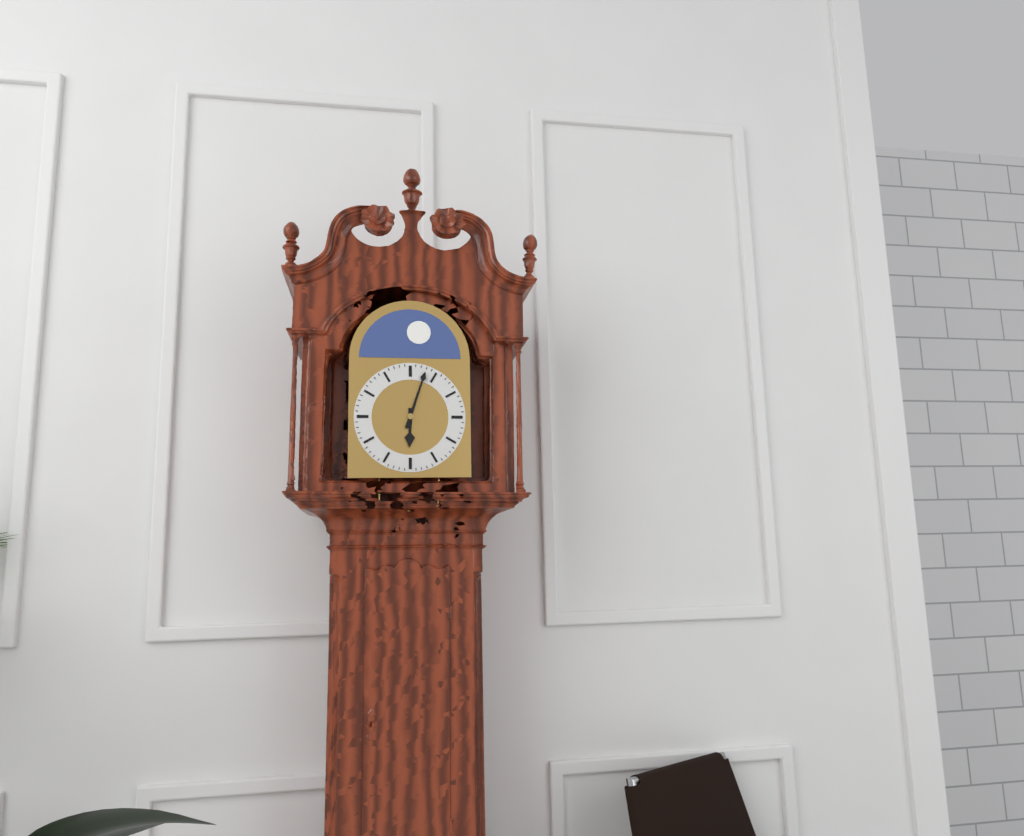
6:03
